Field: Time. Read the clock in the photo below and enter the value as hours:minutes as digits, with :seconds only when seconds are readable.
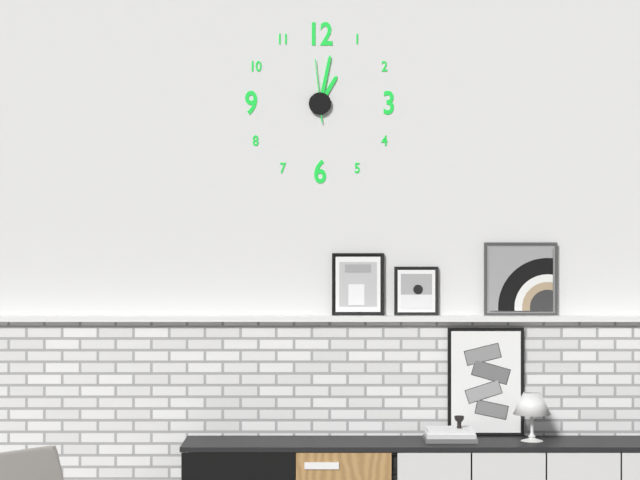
1:02:59
